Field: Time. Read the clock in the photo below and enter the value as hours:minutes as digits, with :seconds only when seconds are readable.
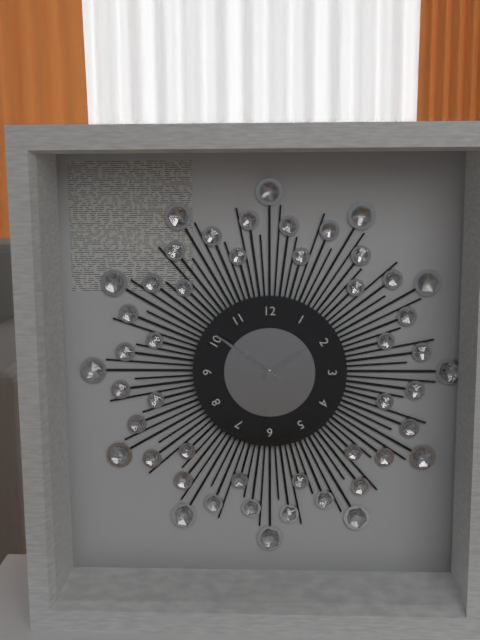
1:51
